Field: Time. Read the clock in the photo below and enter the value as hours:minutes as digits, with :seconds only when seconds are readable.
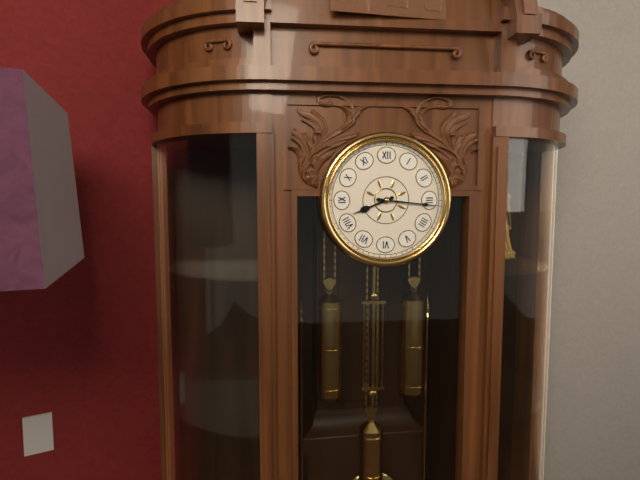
8:16
